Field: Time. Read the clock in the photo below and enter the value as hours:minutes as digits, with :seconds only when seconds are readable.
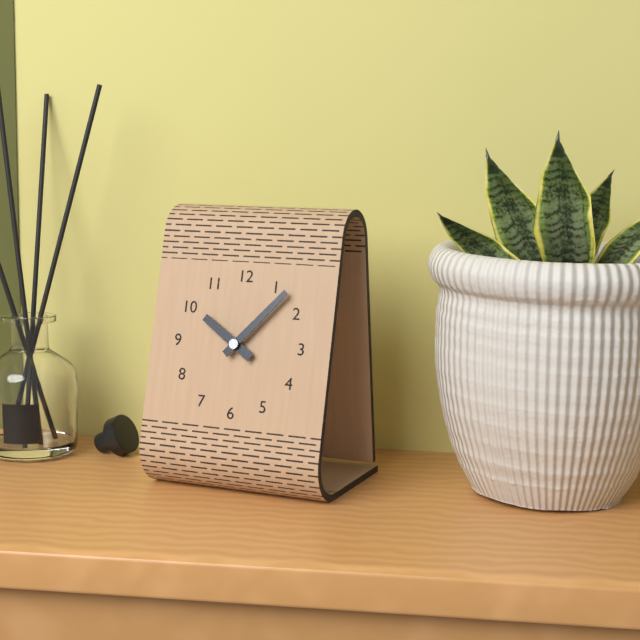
10:07
